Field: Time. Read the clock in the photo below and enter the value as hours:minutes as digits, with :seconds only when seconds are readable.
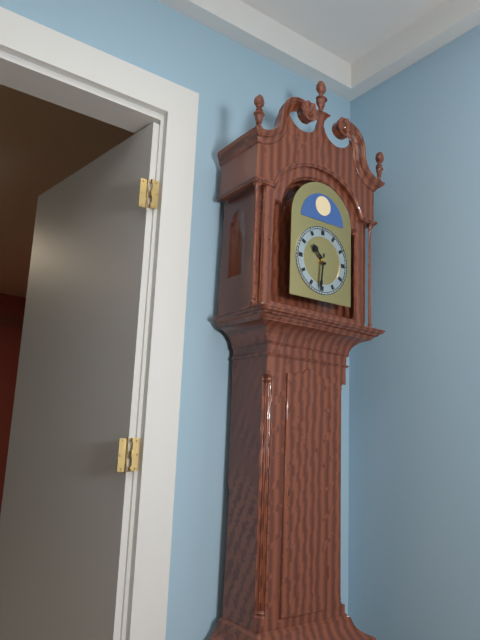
10:31
